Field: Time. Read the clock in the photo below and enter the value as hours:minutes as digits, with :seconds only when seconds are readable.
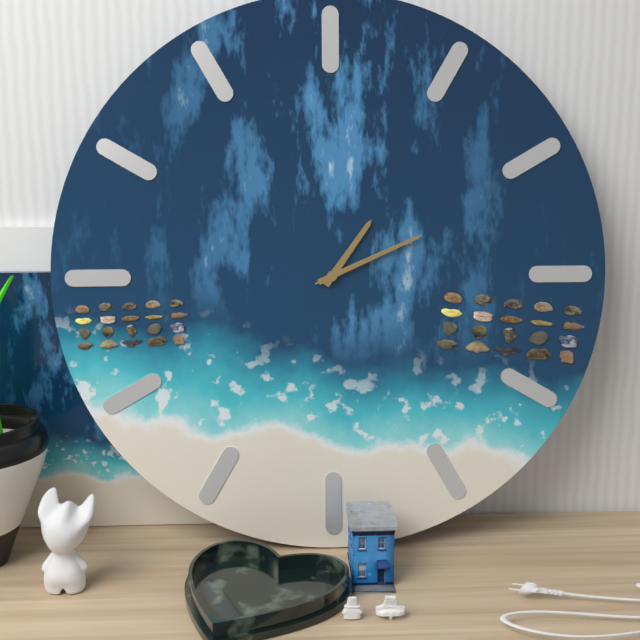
1:11:11
